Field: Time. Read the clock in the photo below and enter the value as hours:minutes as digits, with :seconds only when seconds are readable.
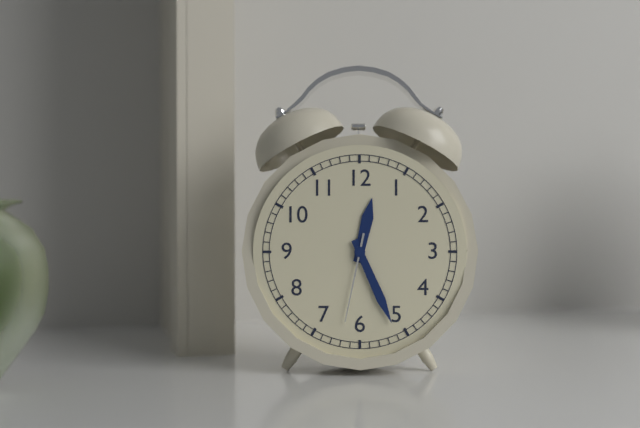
12:26:32
